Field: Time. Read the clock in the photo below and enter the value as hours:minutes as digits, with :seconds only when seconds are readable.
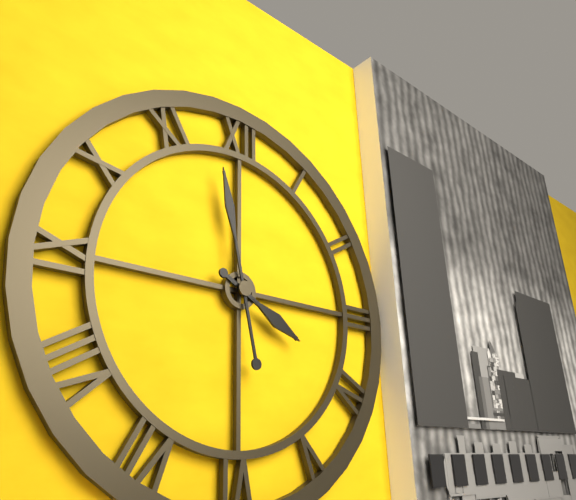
3:58
